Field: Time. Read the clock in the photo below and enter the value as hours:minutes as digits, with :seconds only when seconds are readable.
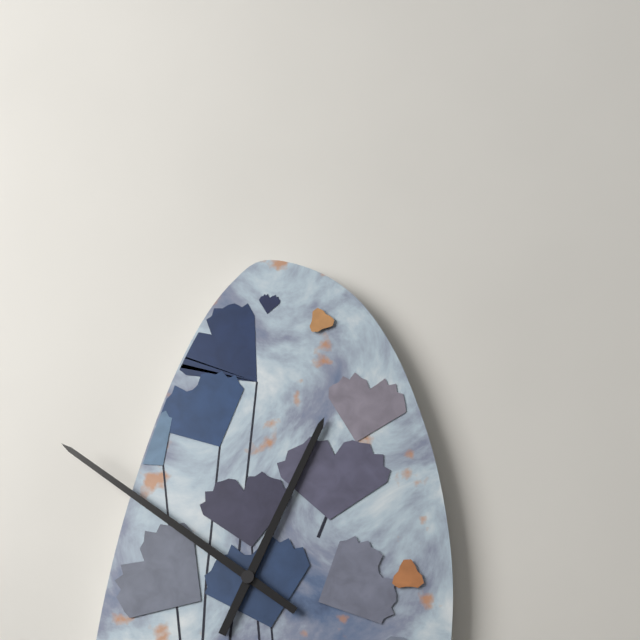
12:51
